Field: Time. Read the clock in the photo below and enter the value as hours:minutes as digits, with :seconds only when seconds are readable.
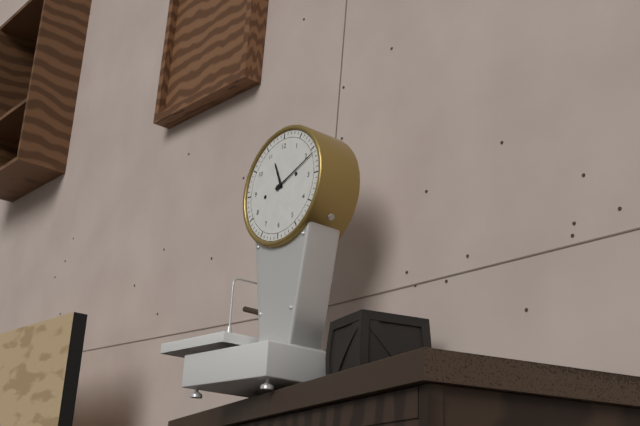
11:11
